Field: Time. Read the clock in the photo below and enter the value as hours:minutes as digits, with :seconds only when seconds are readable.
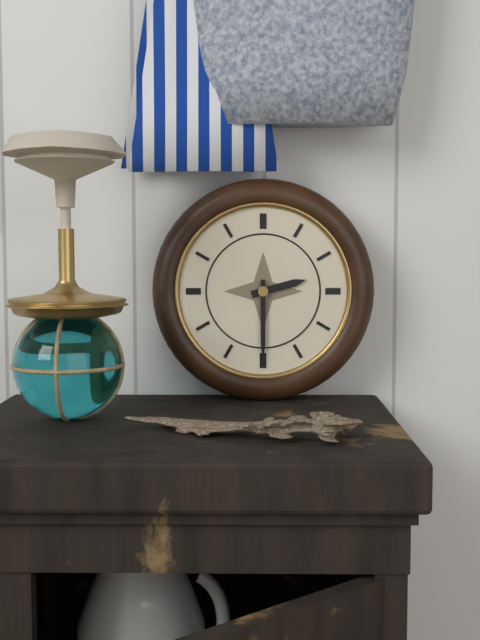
2:30
